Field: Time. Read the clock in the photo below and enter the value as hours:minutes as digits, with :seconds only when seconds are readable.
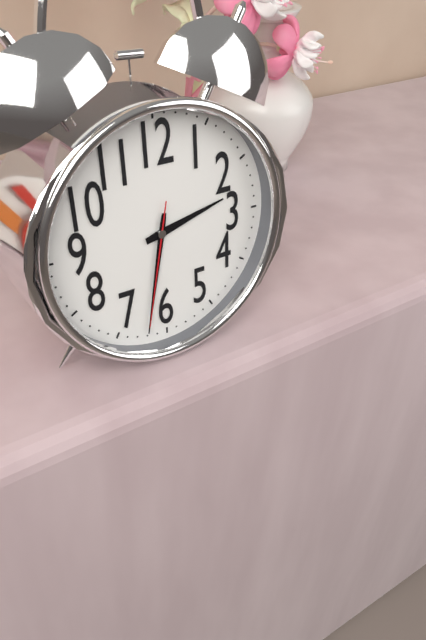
2:32:32
